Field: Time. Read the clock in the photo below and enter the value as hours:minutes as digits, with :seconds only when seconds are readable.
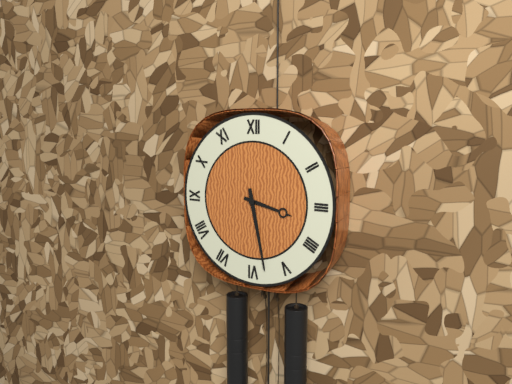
3:28
